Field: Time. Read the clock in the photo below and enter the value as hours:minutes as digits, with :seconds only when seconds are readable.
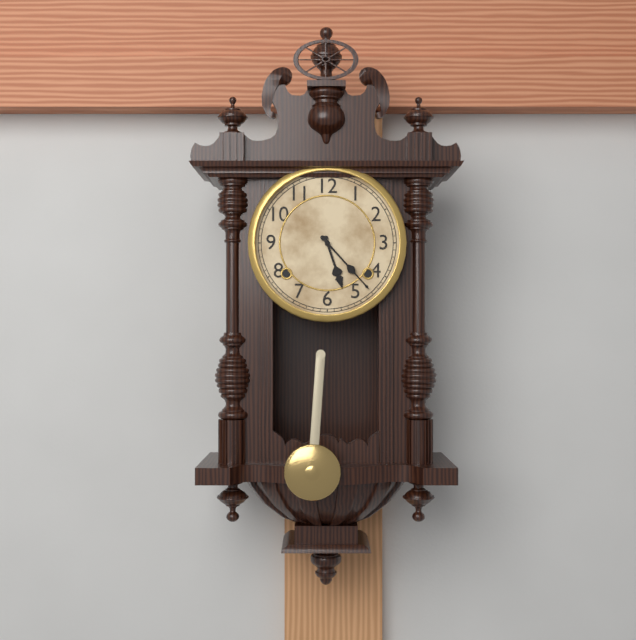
5:23
